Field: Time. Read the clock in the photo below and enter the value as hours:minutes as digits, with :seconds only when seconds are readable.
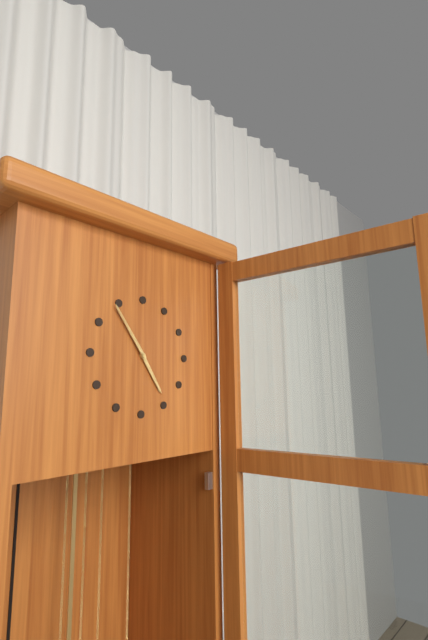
4:54
